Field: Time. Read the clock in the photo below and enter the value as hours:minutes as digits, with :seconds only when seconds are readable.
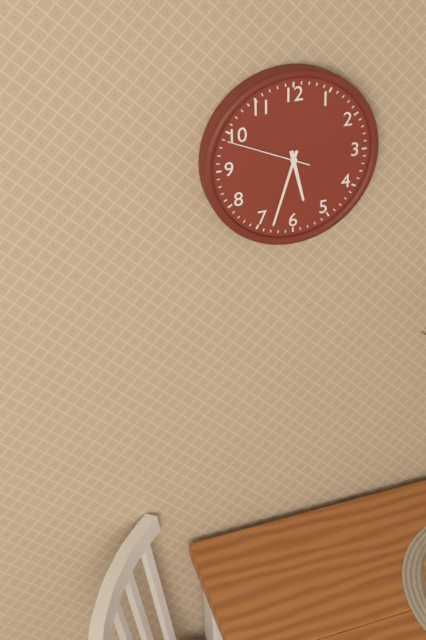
5:33:49
